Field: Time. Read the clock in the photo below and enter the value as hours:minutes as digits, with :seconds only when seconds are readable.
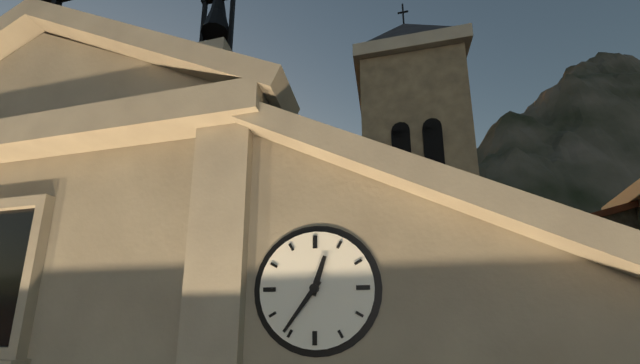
12:36
